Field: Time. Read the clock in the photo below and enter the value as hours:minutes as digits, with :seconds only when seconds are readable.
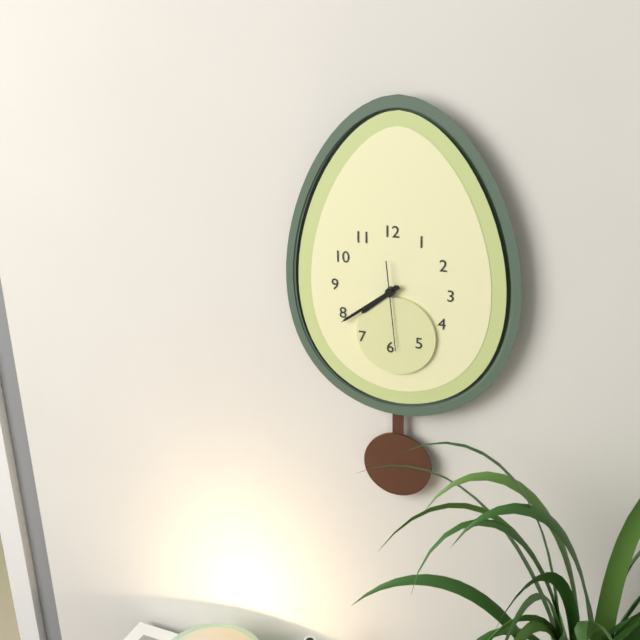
7:39:29
